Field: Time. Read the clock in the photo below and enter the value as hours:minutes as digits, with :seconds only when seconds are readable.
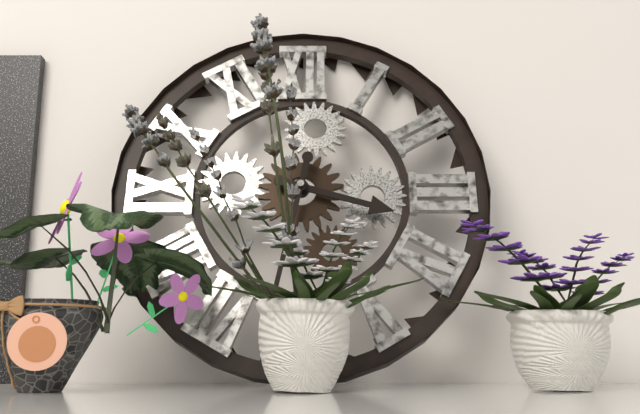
3:32
